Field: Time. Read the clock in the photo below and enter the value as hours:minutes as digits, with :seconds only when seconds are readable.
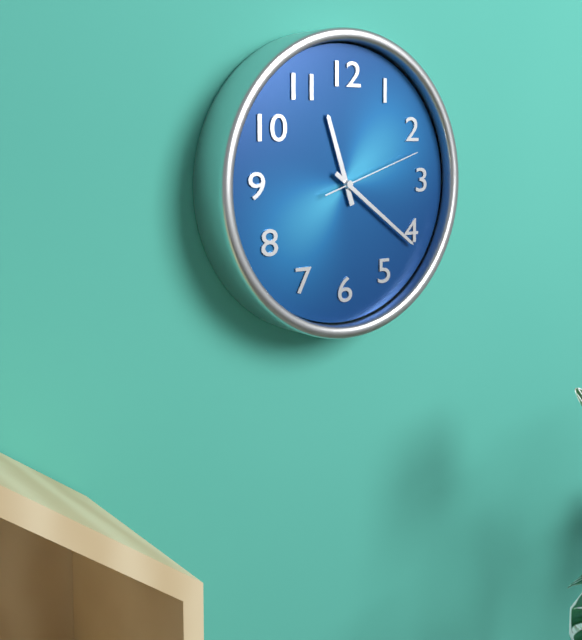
11:21:12
